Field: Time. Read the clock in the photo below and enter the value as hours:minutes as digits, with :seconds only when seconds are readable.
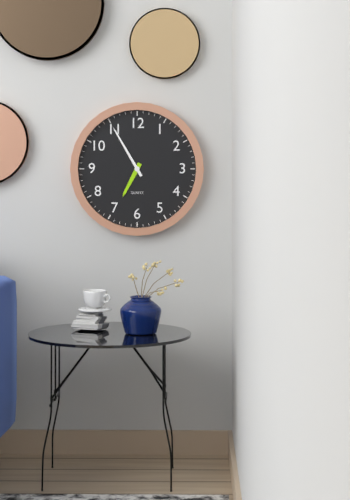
6:55
